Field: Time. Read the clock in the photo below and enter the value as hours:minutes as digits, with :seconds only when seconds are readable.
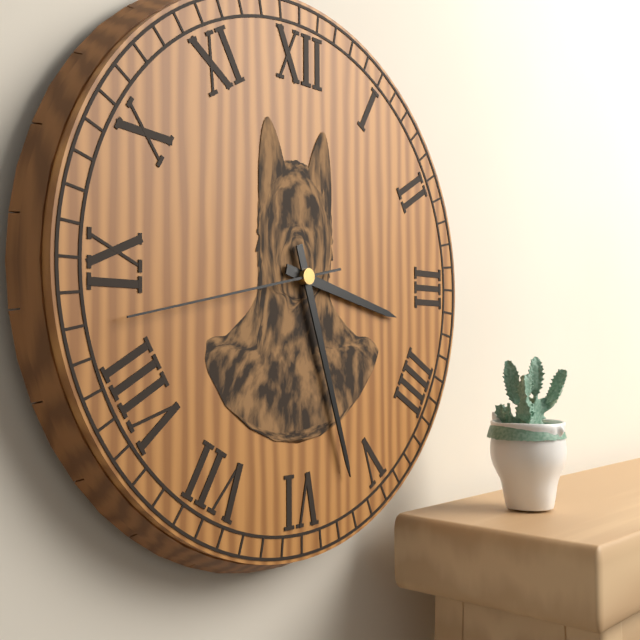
3:27:43
